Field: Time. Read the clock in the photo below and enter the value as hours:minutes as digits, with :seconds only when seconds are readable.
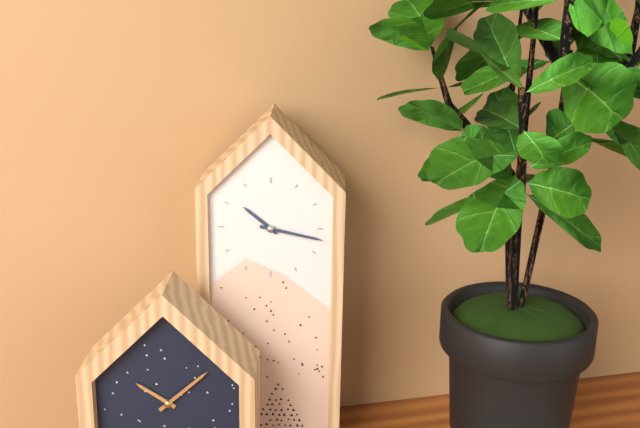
10:17
